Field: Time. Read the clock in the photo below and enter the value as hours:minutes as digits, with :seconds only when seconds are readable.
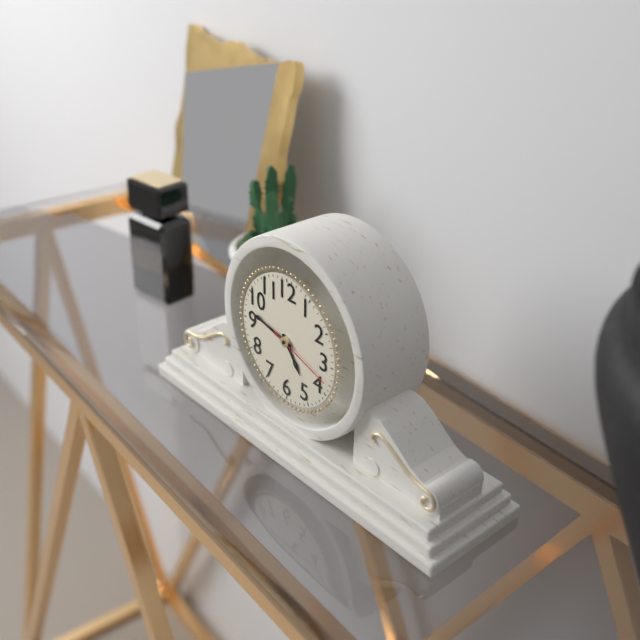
4:47:18
